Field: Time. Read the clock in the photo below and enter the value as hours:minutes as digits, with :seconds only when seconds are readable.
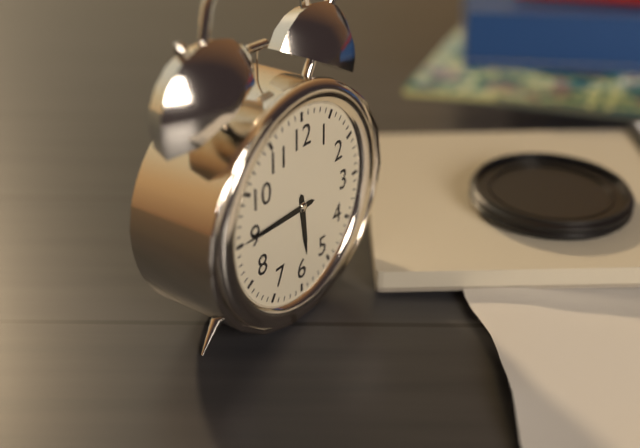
5:45
